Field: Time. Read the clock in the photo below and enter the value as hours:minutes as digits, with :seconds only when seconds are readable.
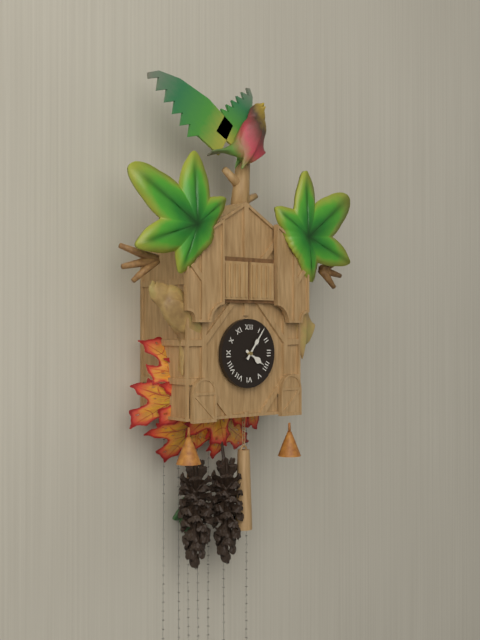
4:06
